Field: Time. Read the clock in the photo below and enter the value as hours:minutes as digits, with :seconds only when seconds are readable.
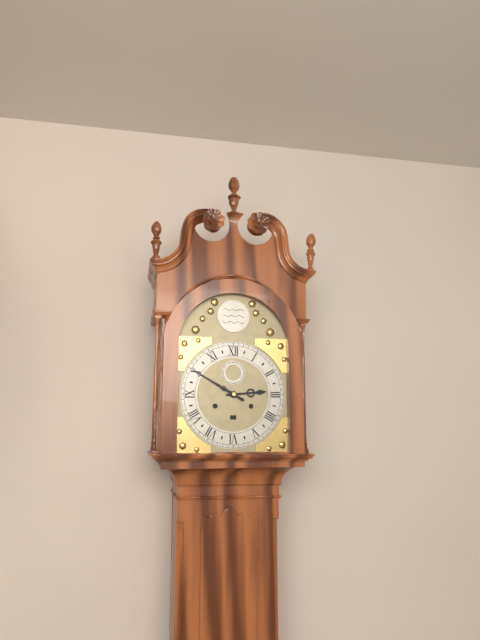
2:50
